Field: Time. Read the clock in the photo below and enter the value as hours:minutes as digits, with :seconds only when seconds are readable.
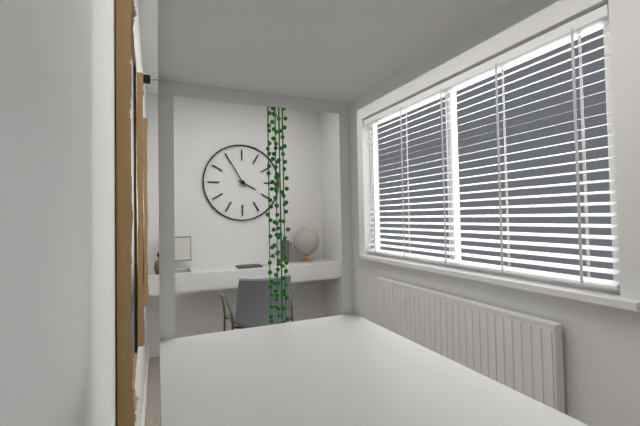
3:55
